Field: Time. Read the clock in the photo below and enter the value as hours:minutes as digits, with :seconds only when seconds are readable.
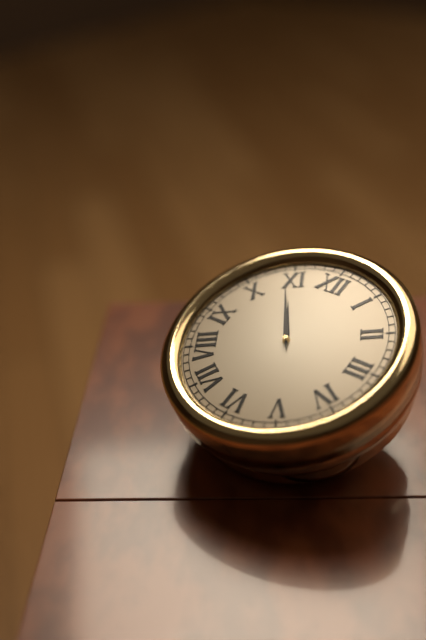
10:54
